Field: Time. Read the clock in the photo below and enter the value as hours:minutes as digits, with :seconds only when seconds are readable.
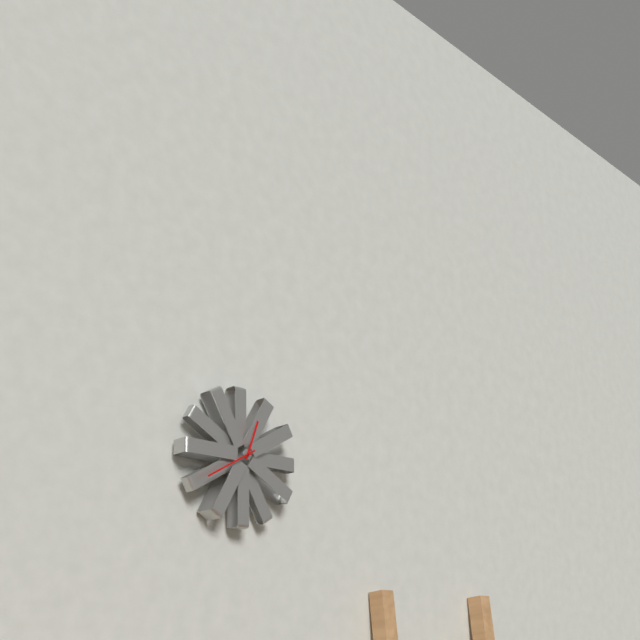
12:40
